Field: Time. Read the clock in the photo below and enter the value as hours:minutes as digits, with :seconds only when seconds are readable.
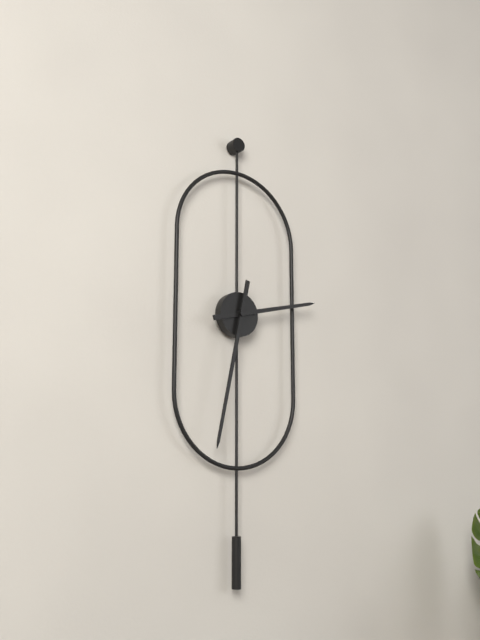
2:32
